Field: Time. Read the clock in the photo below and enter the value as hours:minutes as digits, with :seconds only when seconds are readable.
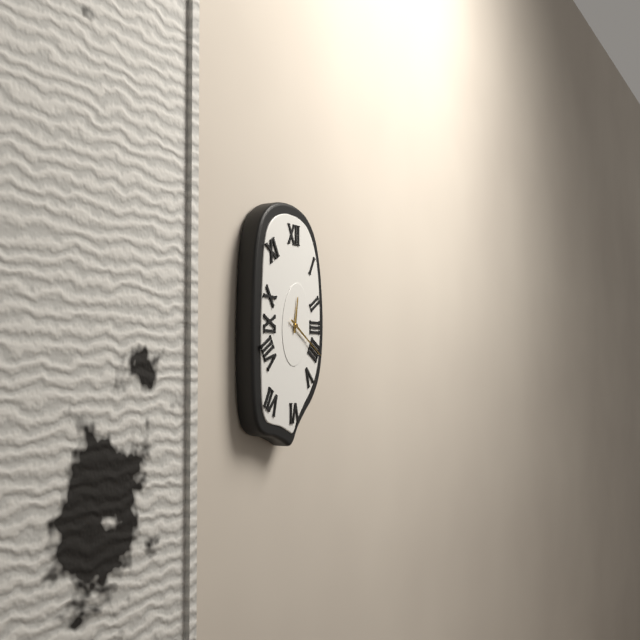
12:20
